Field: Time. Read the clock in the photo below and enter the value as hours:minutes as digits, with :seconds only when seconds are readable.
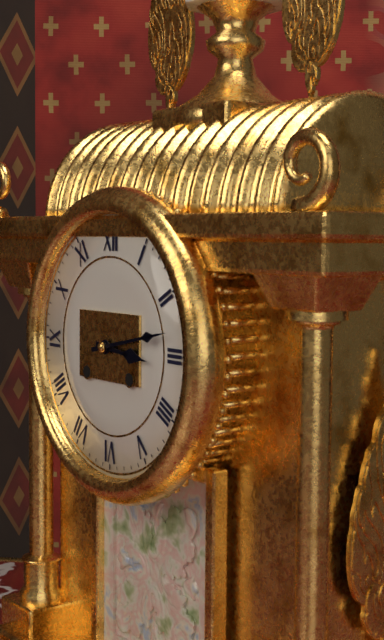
3:13
